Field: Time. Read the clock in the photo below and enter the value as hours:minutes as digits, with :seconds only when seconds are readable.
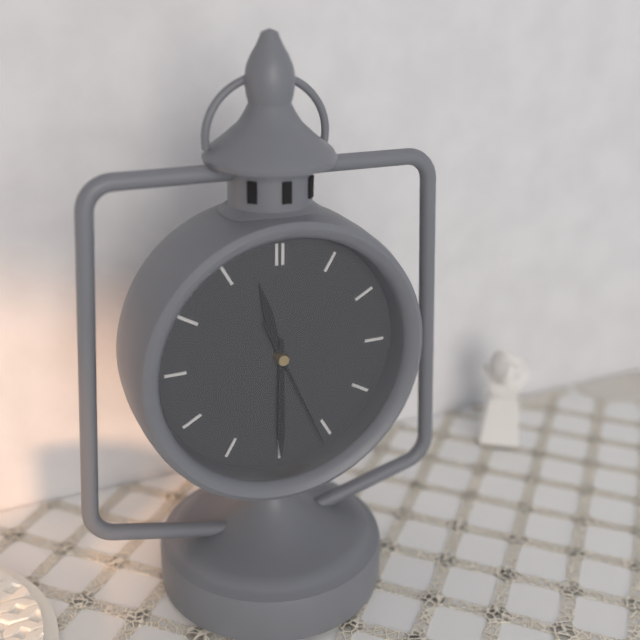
11:30:26
